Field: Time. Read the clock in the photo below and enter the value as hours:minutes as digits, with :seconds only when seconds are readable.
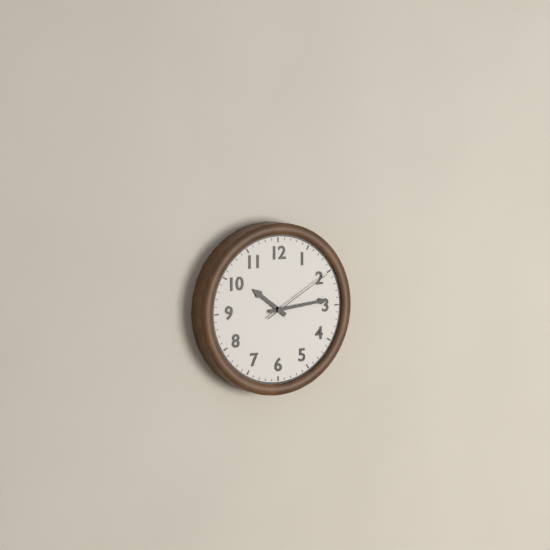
10:14:10
